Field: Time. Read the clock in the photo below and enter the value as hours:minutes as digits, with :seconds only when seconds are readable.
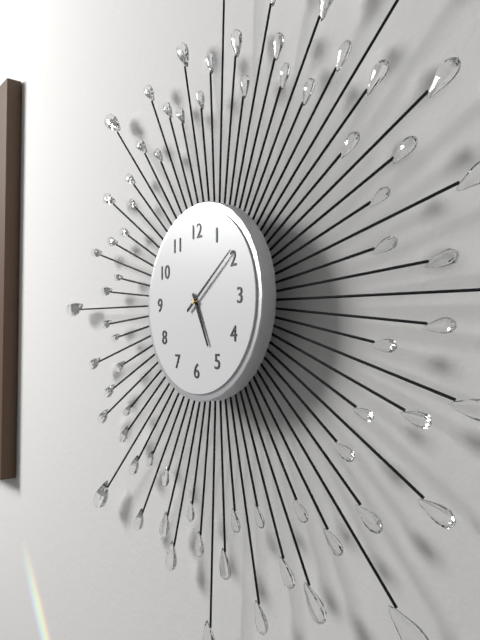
5:09
